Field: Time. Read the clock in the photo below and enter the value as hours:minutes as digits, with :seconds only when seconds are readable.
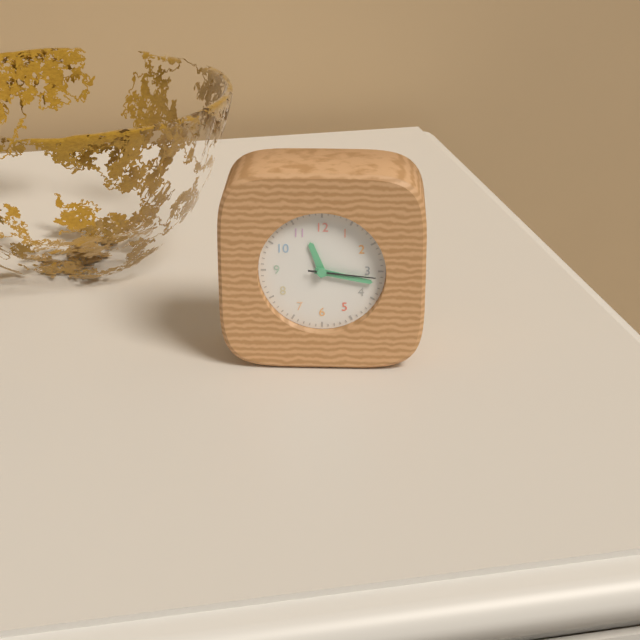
11:17:16
